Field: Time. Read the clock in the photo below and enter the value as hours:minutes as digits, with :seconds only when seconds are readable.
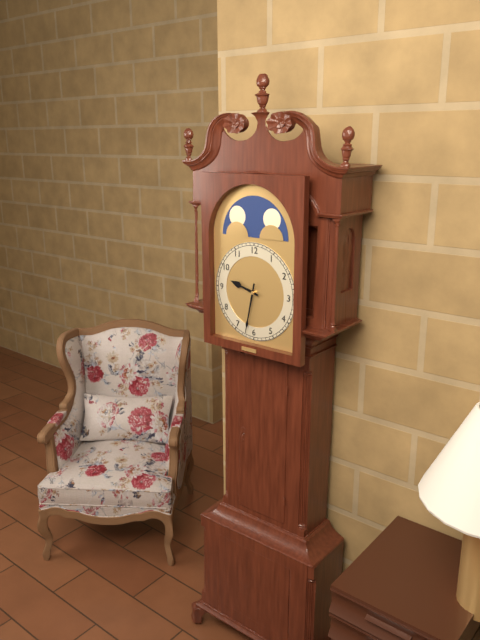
9:32
